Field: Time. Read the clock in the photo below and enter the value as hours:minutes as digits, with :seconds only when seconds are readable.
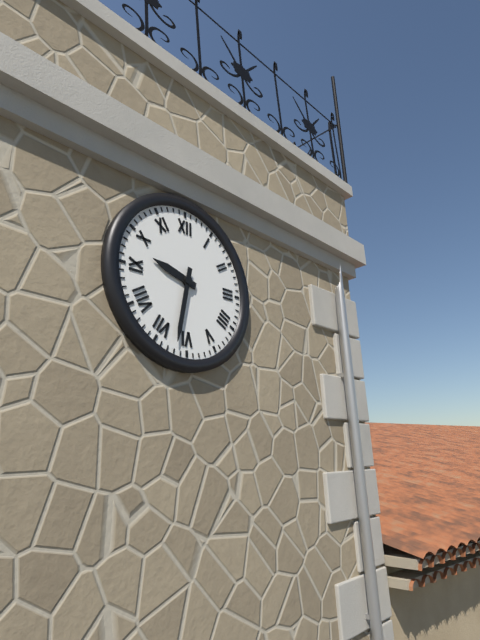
9:32
